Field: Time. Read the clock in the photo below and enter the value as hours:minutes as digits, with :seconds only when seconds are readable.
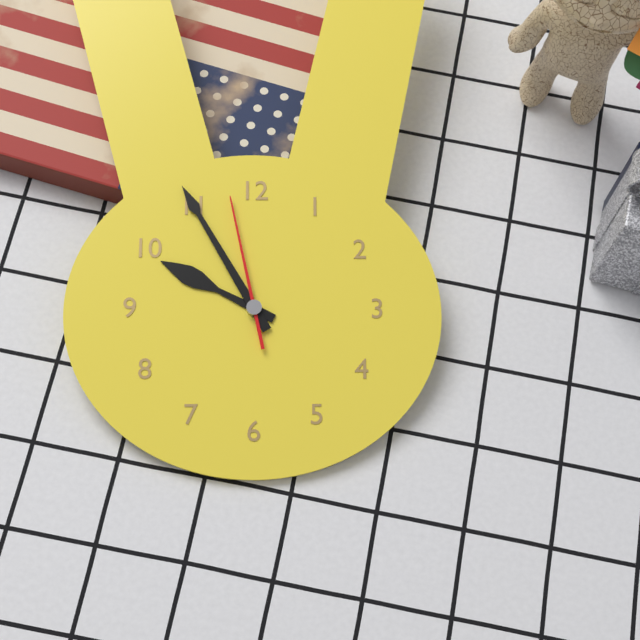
9:55:58
